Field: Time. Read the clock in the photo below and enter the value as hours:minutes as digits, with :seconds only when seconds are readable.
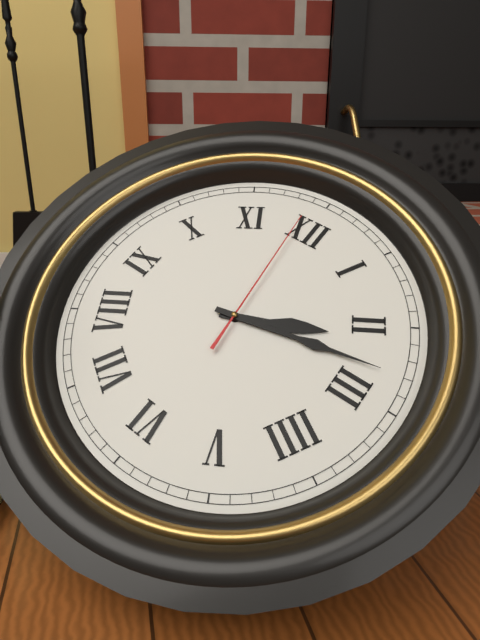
2:13:59
